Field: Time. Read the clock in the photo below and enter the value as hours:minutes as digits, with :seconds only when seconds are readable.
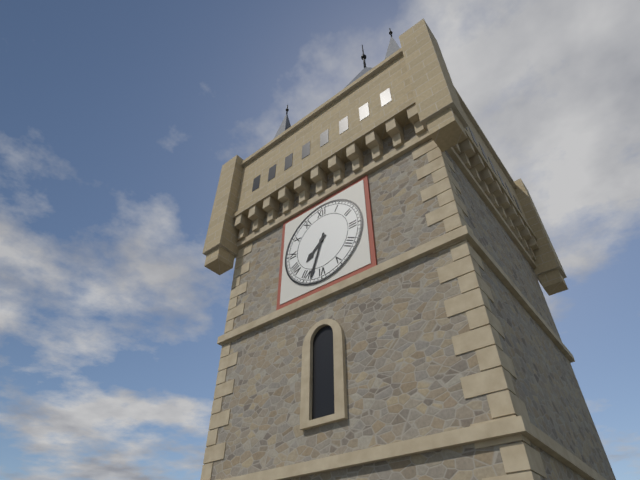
7:33
